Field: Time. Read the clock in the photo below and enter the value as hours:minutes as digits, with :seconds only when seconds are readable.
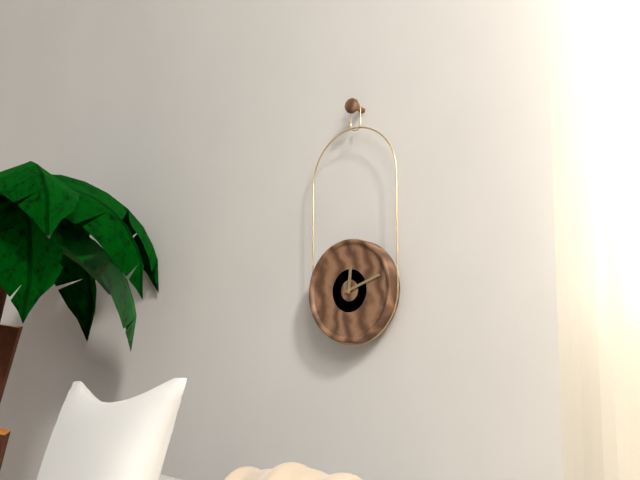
12:12
